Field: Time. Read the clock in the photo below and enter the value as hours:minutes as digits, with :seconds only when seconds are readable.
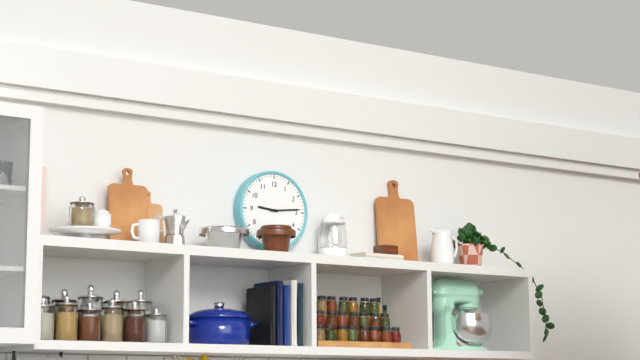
9:14
